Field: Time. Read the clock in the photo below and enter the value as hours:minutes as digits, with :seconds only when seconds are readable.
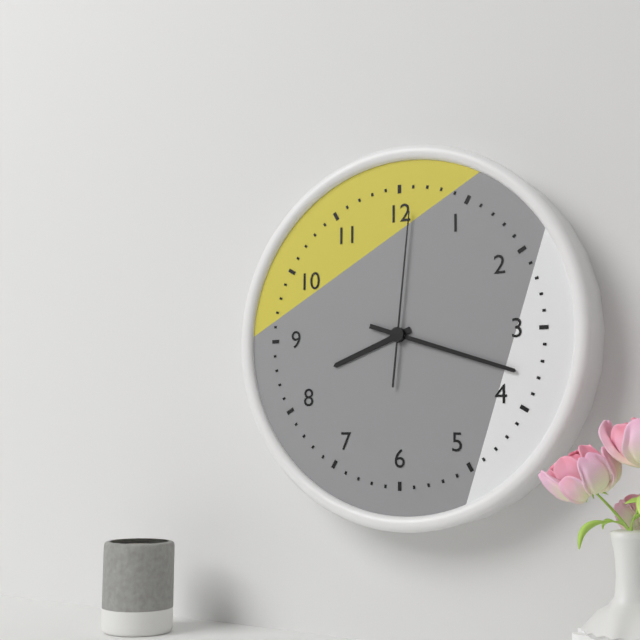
8:18:01
